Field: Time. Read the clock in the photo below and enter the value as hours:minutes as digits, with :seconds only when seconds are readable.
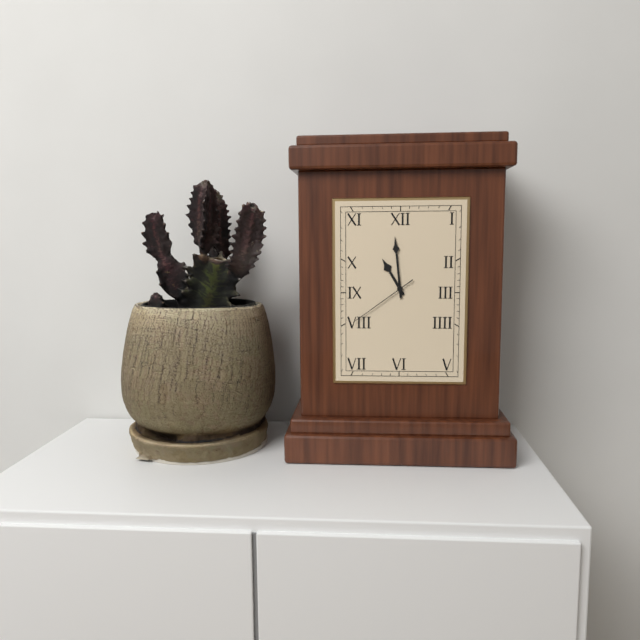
10:59:39
